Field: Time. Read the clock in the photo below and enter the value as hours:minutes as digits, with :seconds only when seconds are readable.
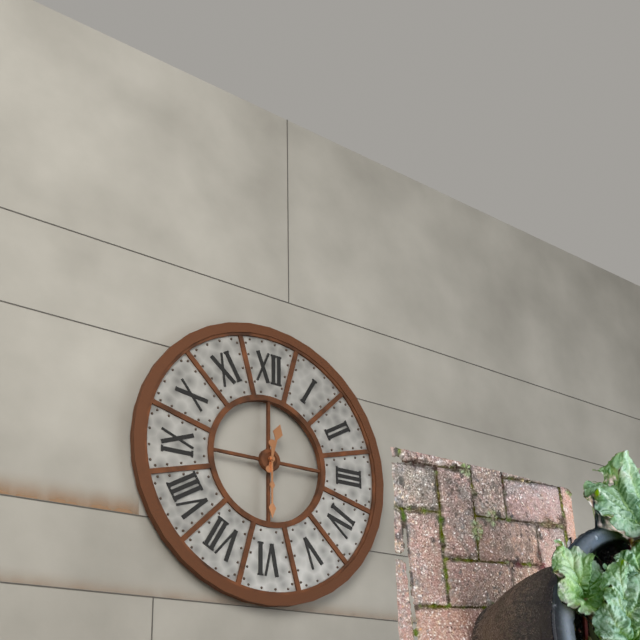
12:30
